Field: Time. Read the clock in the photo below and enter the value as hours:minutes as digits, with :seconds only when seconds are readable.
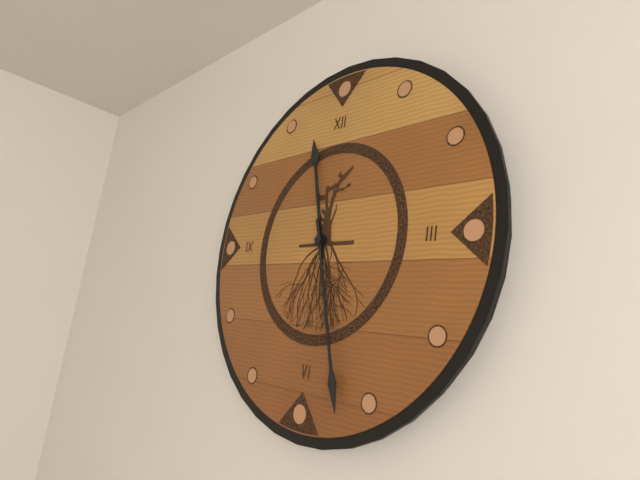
11:27
